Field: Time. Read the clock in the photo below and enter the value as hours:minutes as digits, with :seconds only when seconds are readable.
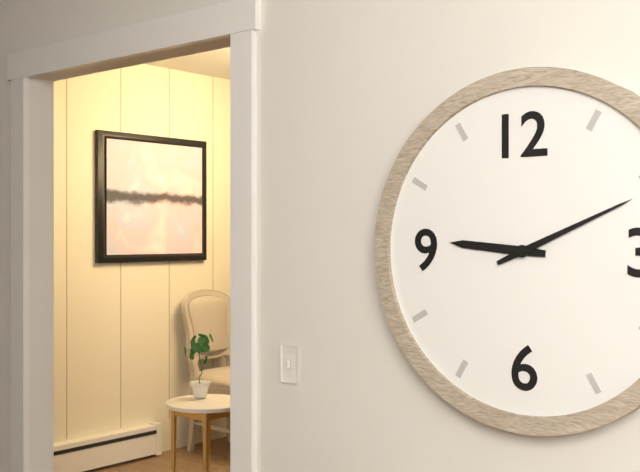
9:11
